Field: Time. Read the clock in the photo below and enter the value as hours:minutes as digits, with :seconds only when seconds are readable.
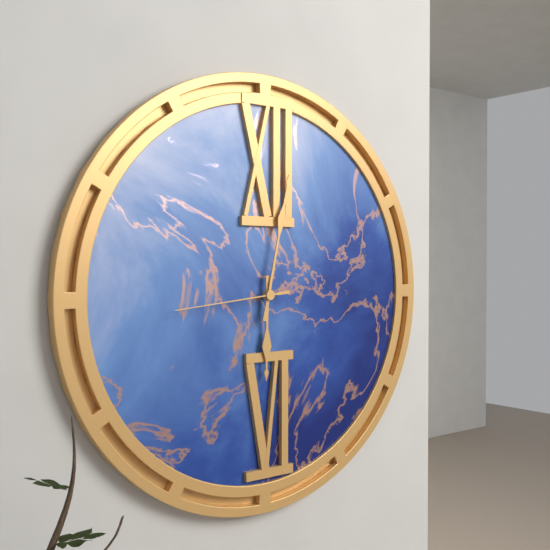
6:02:44
